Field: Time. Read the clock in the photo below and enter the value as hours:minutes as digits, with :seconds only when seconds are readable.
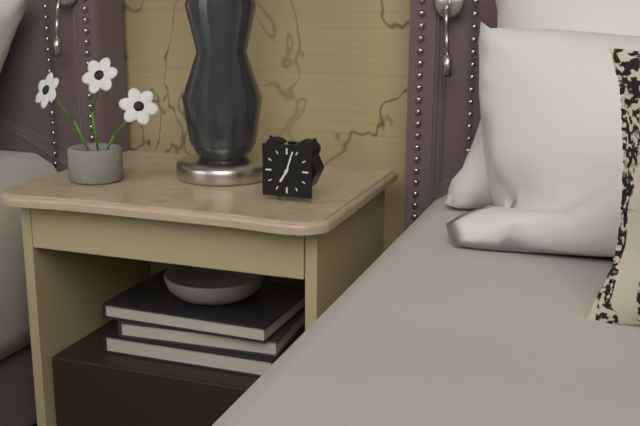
7:03
